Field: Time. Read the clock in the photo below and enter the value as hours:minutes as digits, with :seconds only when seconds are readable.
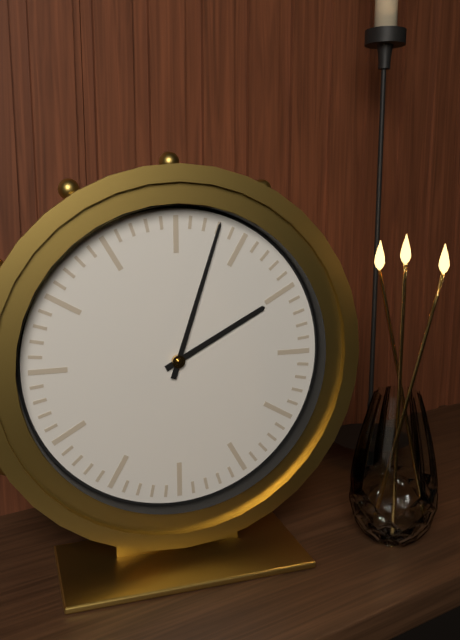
2:03
